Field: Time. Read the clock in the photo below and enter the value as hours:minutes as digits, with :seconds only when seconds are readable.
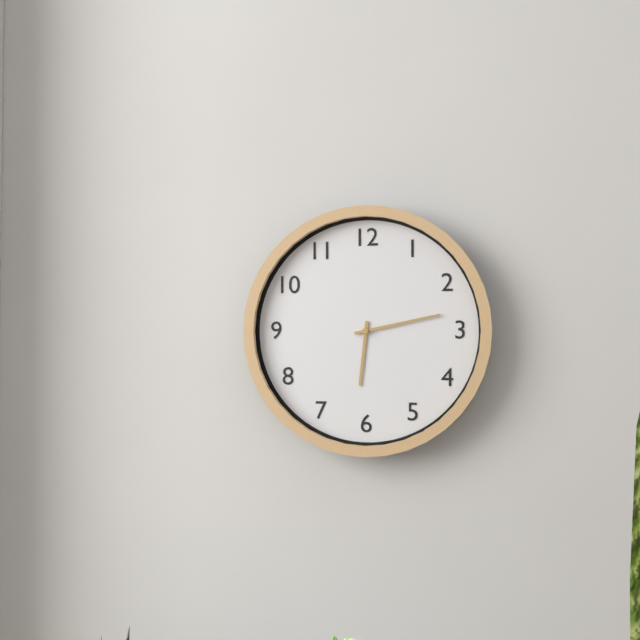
6:13
